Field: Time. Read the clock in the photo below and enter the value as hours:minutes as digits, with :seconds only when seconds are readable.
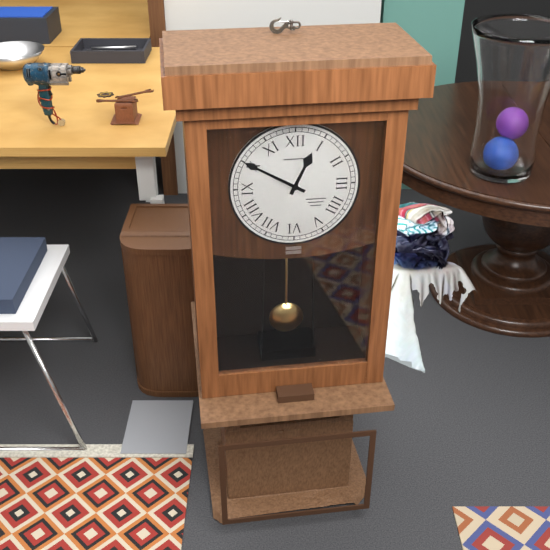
12:50
